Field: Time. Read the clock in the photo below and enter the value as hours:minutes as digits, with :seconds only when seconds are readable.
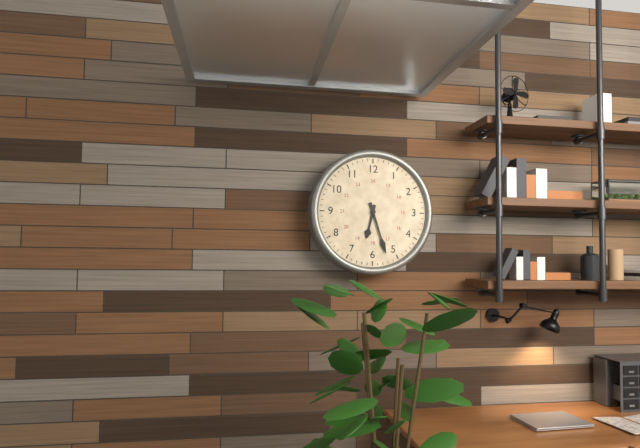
6:27
